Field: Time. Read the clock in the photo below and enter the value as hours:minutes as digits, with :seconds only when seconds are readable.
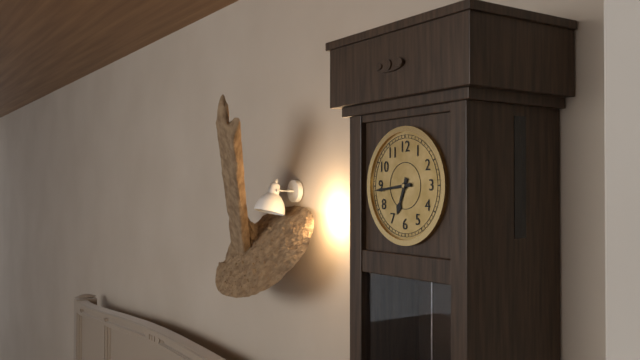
6:44
